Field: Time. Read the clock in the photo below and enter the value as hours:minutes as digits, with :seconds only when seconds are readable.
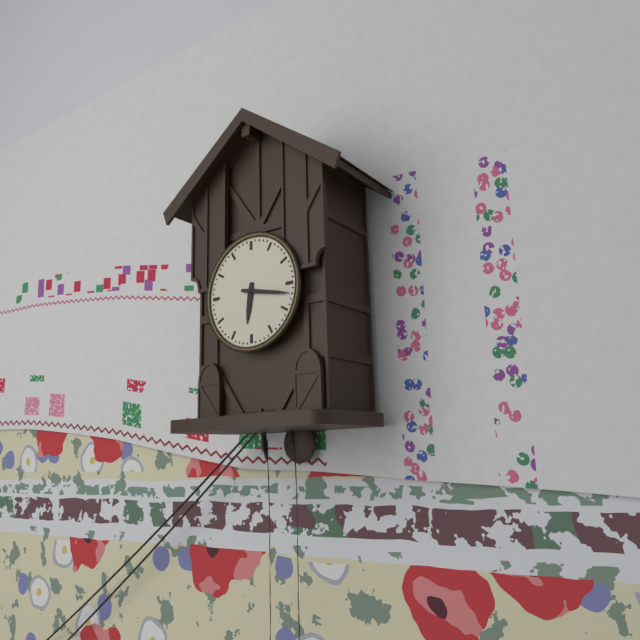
6:17
